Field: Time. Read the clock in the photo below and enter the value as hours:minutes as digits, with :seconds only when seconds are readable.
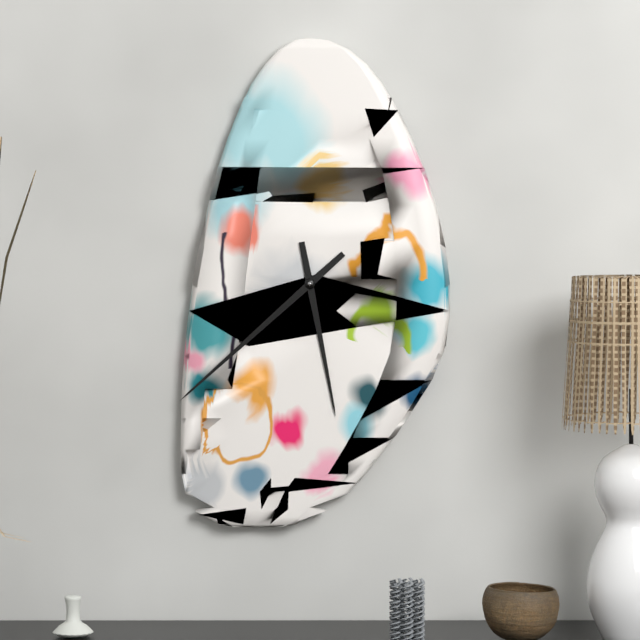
5:38
